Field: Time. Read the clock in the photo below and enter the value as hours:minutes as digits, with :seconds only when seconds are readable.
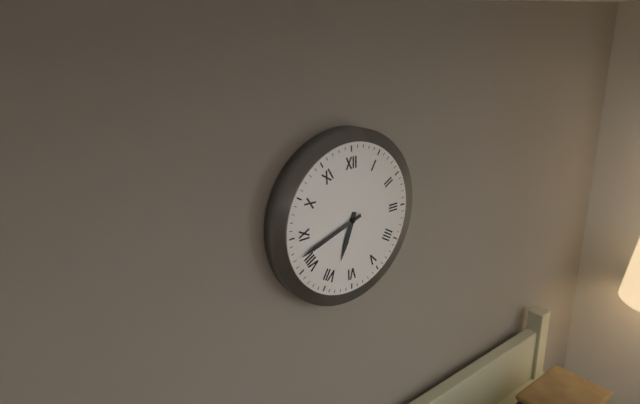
6:42
